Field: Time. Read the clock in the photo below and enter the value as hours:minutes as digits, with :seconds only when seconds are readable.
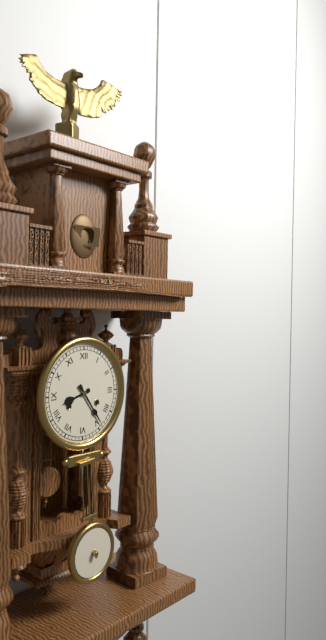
8:24
